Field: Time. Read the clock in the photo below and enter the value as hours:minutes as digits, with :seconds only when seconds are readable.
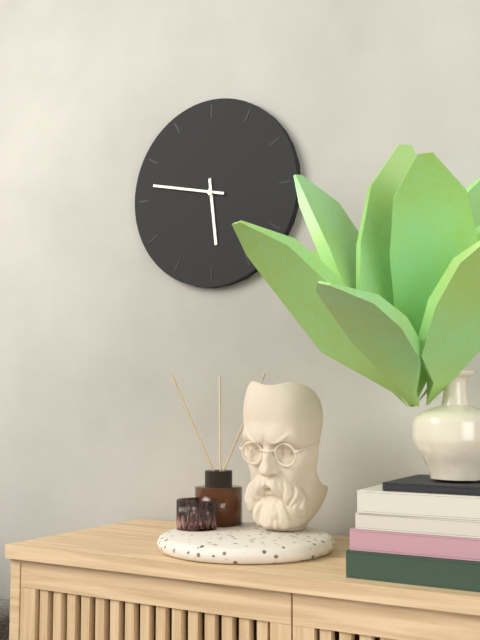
5:47
